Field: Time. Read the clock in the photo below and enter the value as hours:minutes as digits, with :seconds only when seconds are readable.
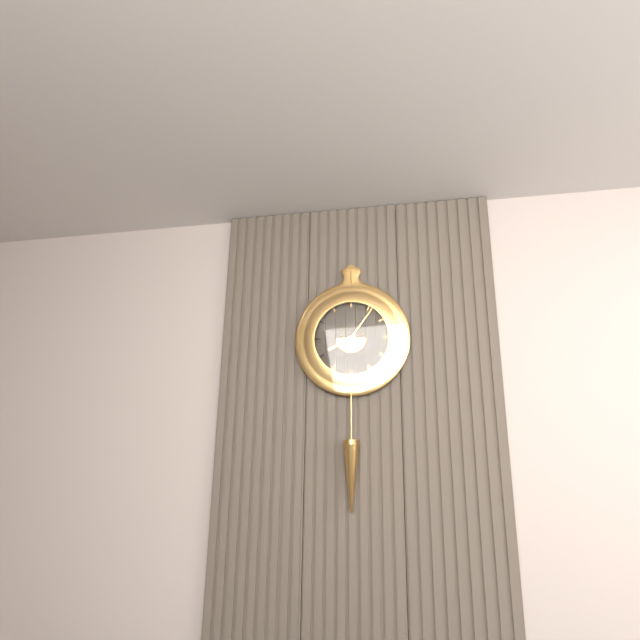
8:06
